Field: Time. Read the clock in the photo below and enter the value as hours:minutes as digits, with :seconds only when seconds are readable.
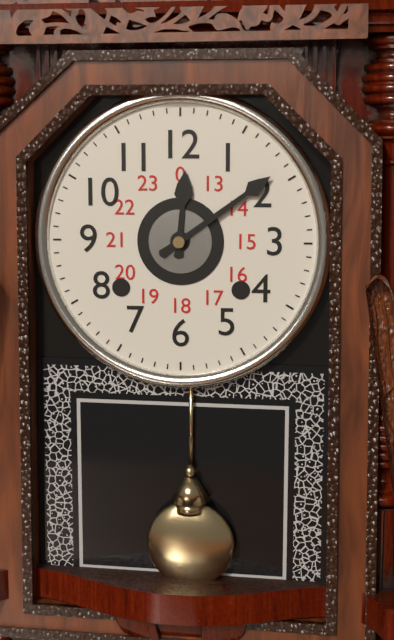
12:09
